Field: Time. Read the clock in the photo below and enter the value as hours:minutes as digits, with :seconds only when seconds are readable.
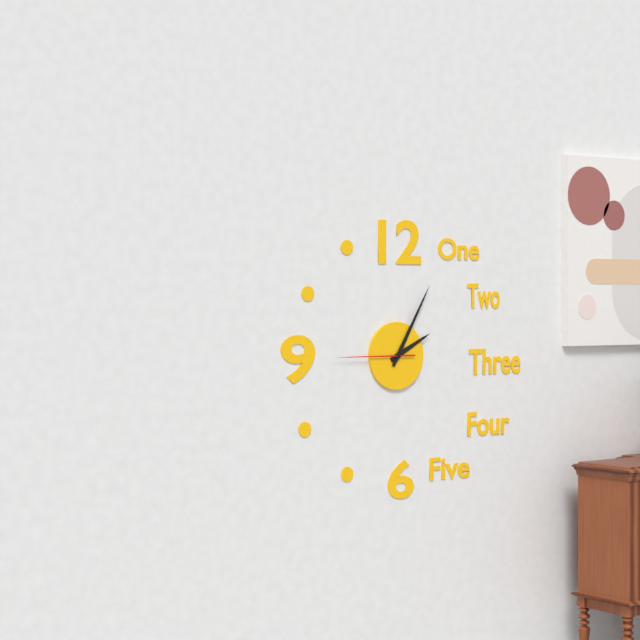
2:05:45
